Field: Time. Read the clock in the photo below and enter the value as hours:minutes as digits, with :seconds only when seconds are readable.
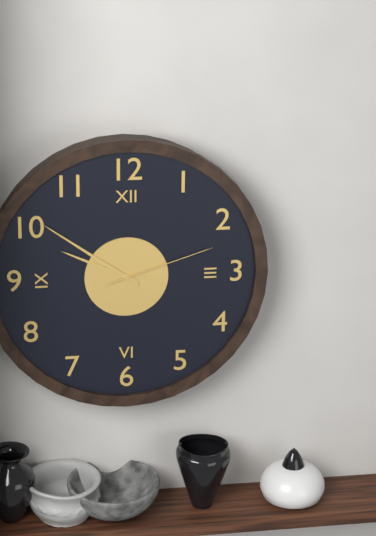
9:51:12
